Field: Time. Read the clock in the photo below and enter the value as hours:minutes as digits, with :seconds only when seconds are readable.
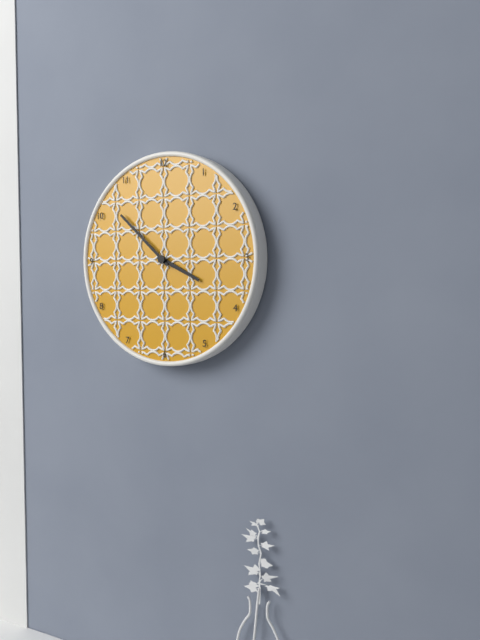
3:52
